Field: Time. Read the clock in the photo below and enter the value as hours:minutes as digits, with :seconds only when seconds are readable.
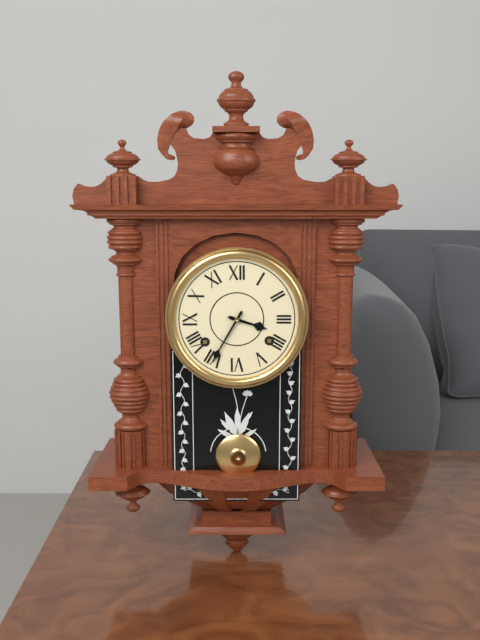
3:35
